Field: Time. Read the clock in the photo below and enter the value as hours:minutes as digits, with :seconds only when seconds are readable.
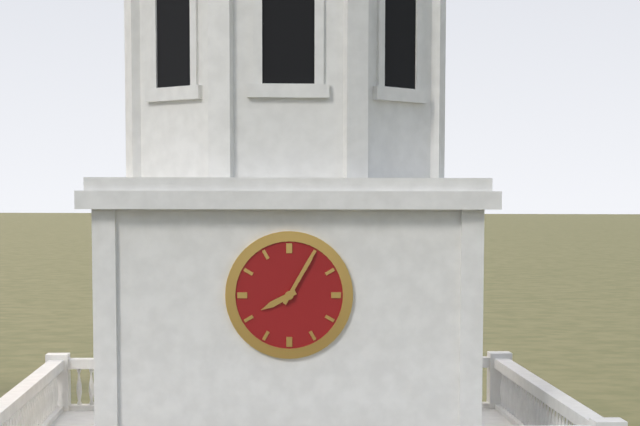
8:05
